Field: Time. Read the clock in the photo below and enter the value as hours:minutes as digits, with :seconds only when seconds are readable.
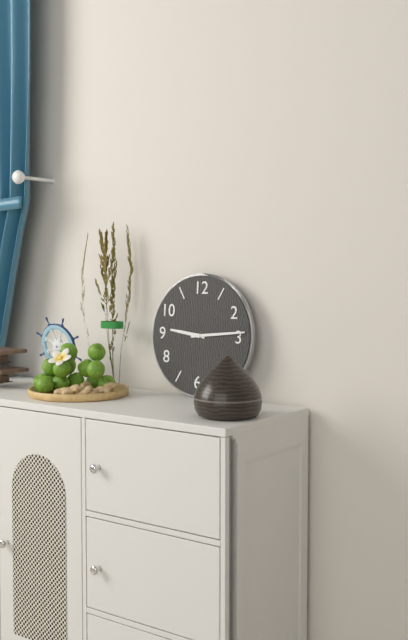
9:14
